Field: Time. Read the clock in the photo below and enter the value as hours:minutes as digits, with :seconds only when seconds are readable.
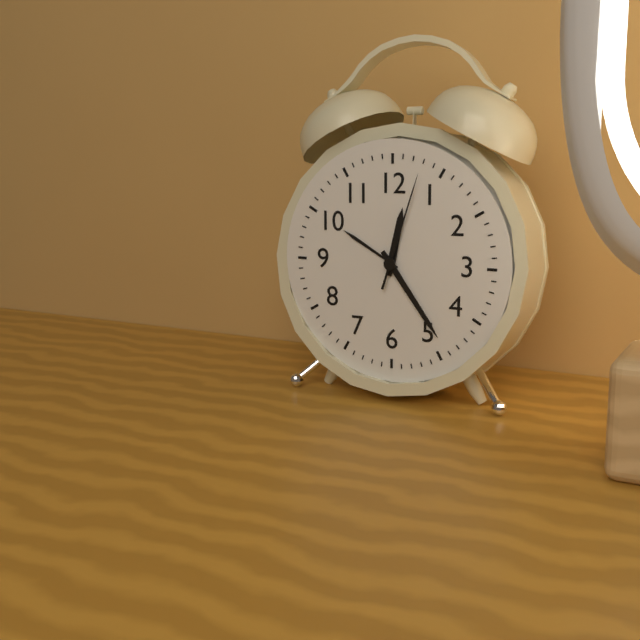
12:24:03
